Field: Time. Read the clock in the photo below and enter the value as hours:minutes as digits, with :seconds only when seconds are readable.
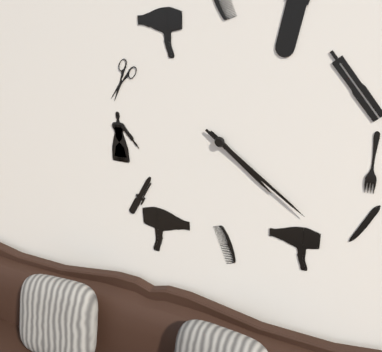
4:21
